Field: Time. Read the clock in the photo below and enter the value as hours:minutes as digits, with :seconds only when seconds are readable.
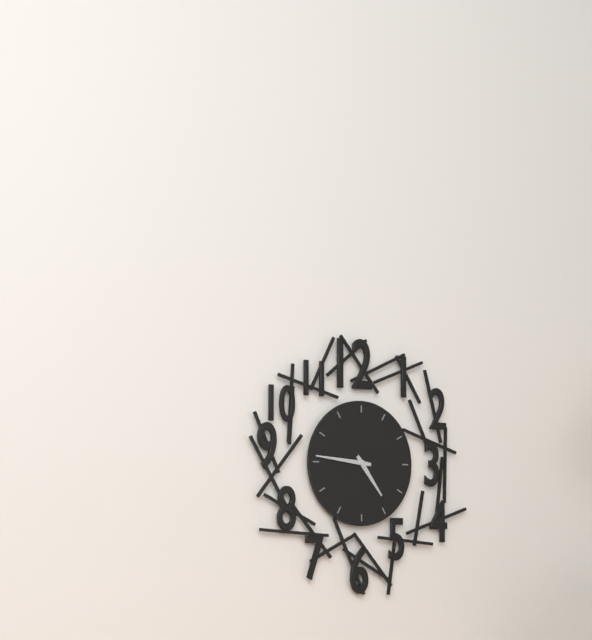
4:46
